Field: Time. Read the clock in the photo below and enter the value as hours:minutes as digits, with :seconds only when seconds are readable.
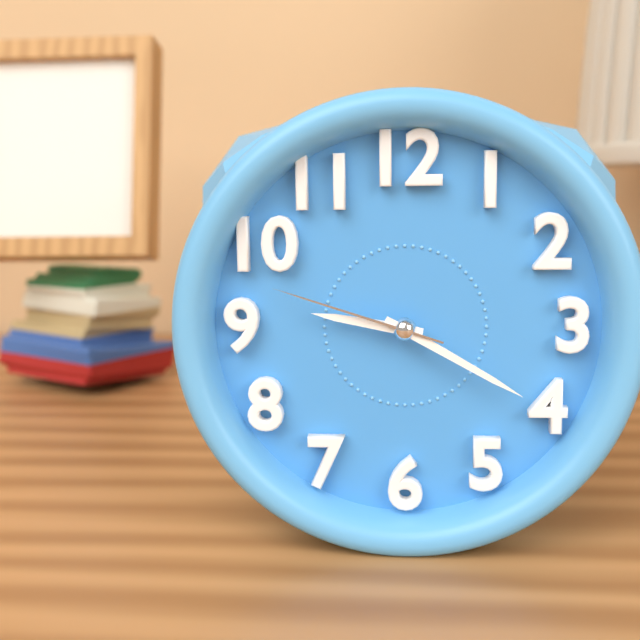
9:20:48
